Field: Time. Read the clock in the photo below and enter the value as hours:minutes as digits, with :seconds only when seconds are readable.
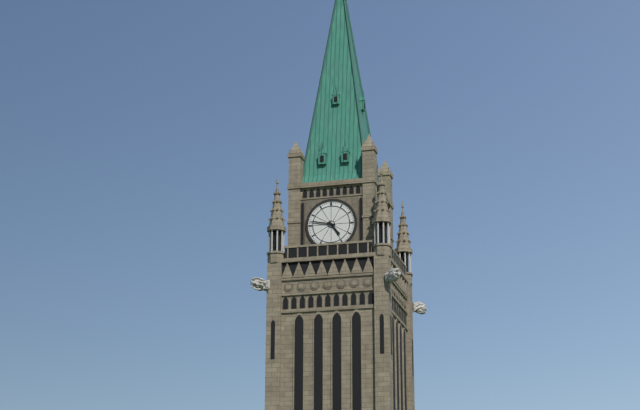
4:47
